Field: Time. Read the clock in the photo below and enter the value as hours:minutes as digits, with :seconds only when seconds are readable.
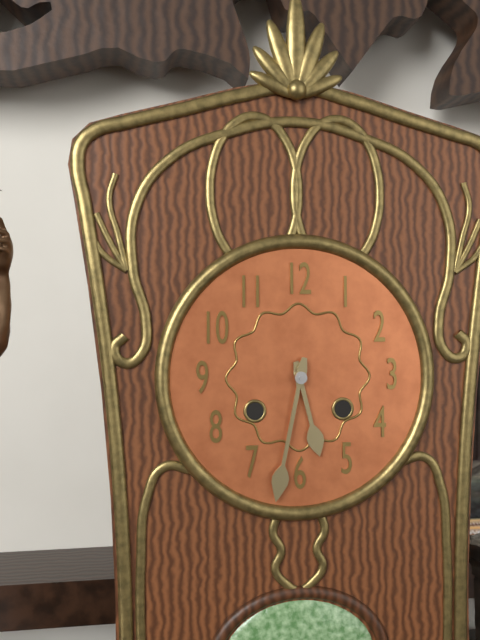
5:32
